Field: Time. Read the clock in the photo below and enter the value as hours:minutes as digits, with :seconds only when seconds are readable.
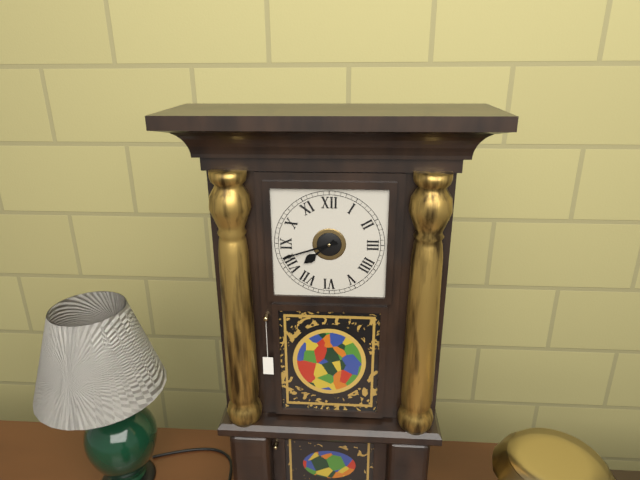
7:42
